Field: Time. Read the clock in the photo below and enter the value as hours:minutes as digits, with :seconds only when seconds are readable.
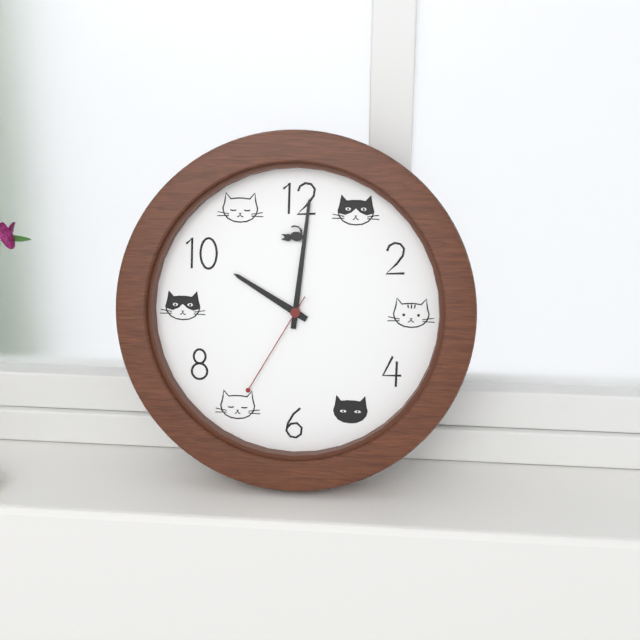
10:01:35
